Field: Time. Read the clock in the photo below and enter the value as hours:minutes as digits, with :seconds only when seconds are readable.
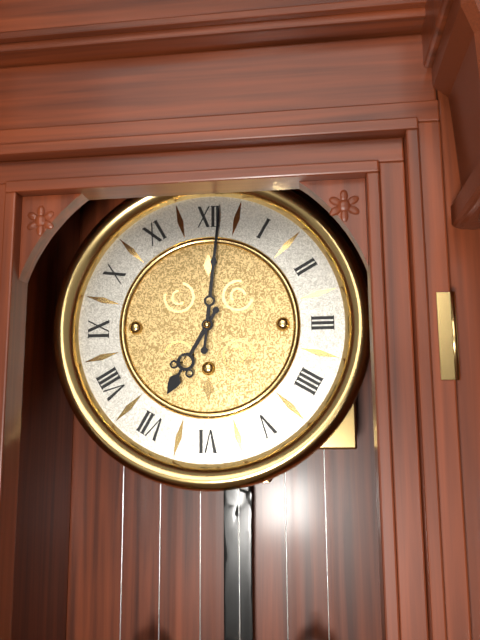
7:01
